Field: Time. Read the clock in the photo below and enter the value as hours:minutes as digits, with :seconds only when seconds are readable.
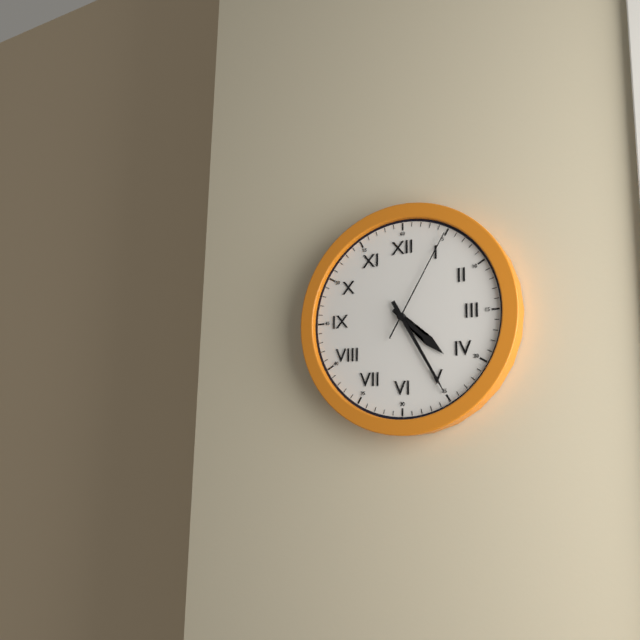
4:25:05
